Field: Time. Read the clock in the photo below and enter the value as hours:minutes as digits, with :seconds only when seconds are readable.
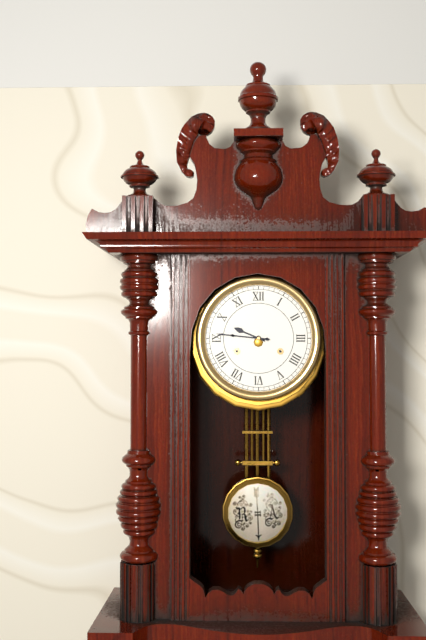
9:46
